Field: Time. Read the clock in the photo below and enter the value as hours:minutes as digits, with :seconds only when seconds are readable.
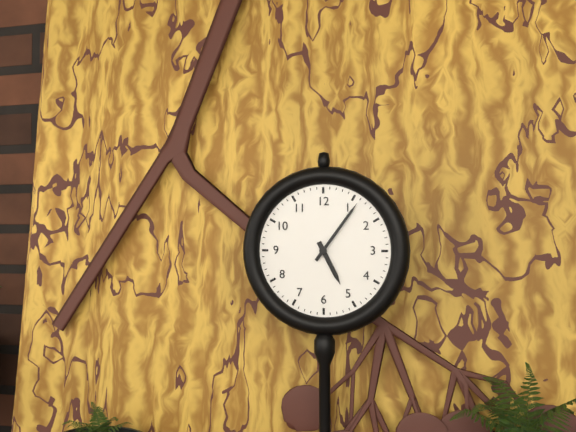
5:06
